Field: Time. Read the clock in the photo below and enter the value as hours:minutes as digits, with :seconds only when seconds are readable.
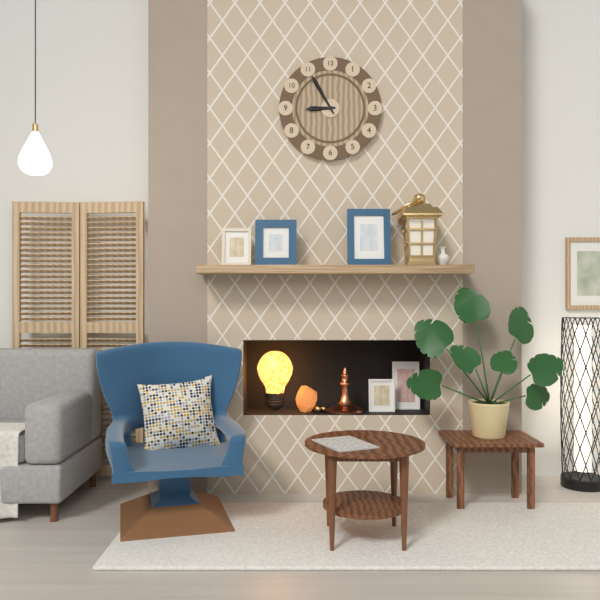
8:55
